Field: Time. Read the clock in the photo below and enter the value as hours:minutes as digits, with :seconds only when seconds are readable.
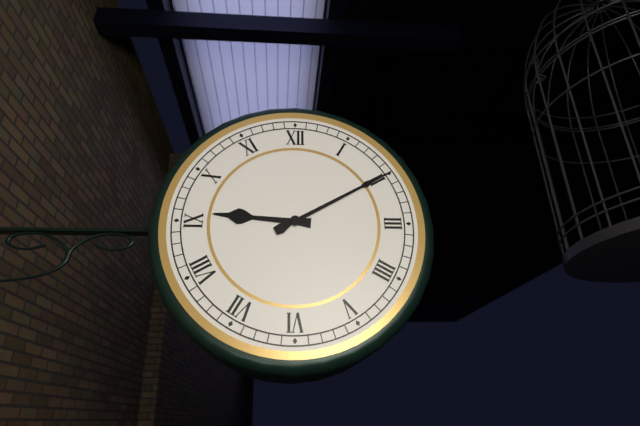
9:10
